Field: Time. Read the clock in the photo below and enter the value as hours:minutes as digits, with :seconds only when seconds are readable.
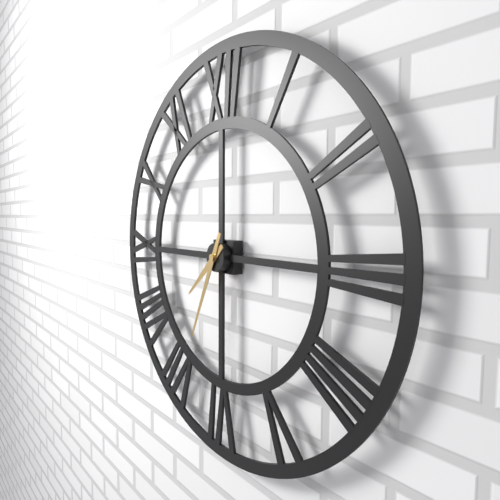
7:34
